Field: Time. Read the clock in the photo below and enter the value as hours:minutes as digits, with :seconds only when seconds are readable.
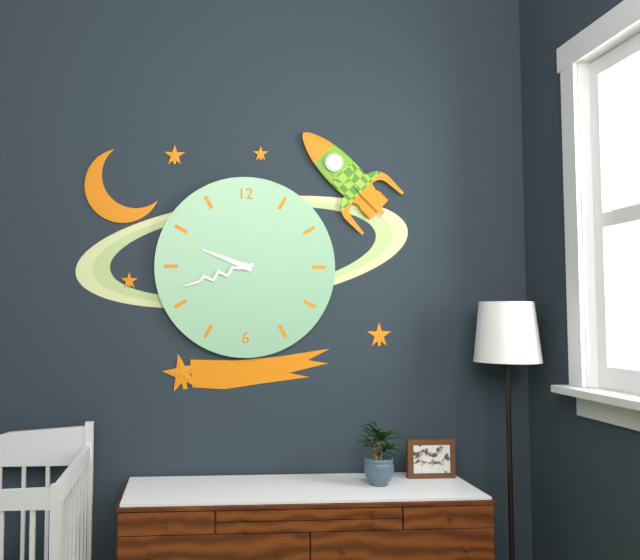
9:42
